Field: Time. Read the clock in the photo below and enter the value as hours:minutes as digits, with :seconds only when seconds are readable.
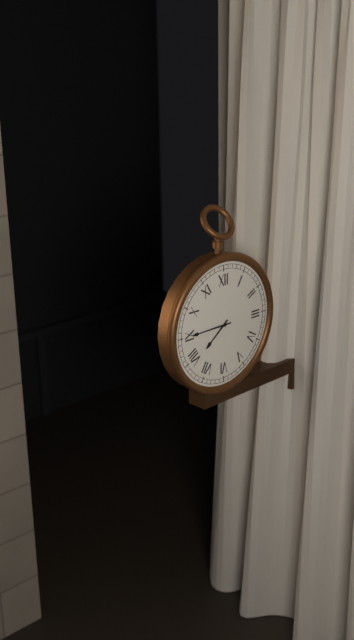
7:45
